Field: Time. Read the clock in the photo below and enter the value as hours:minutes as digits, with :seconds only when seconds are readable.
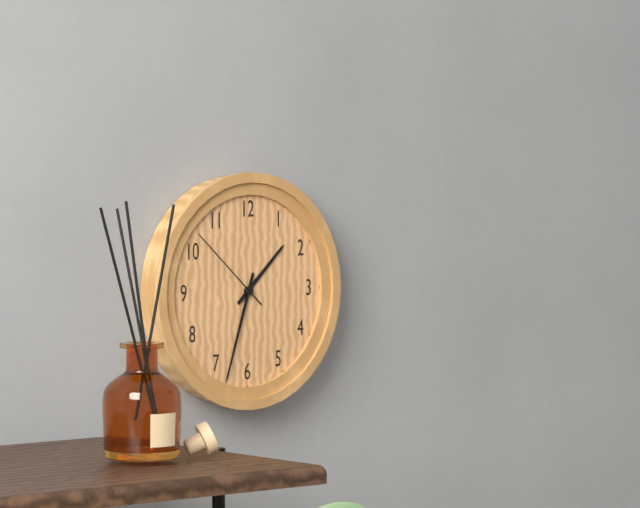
1:33:52
